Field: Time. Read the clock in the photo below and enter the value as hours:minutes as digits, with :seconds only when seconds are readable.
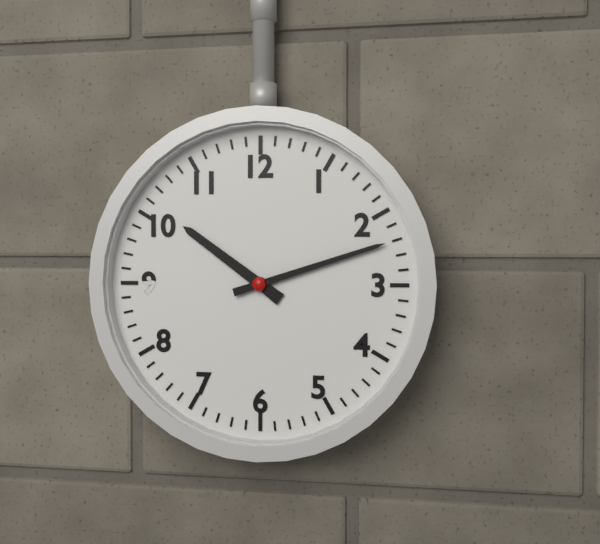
10:12
